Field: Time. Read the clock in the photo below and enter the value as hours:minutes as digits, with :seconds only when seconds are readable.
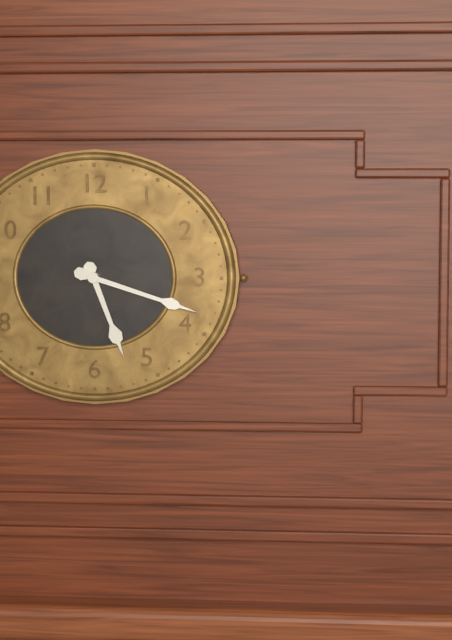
5:18
